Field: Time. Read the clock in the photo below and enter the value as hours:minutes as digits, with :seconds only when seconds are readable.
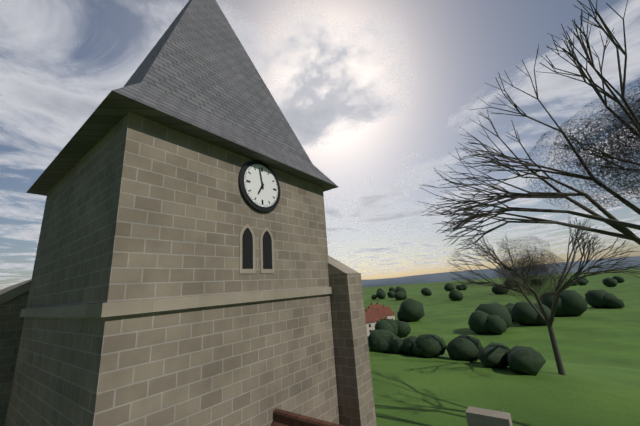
6:58
